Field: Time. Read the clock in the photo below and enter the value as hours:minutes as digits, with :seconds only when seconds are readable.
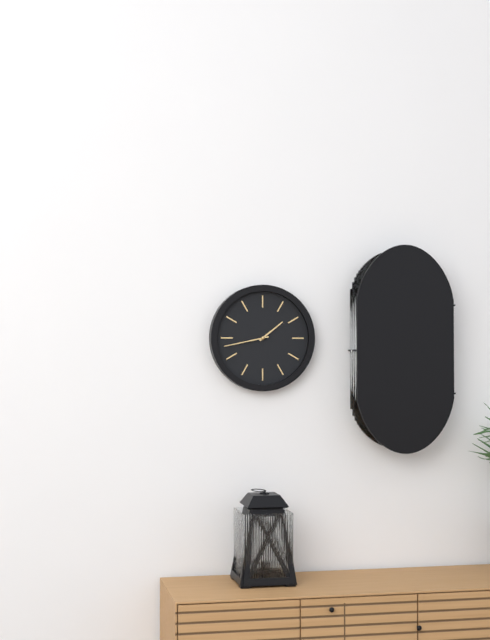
1:43
